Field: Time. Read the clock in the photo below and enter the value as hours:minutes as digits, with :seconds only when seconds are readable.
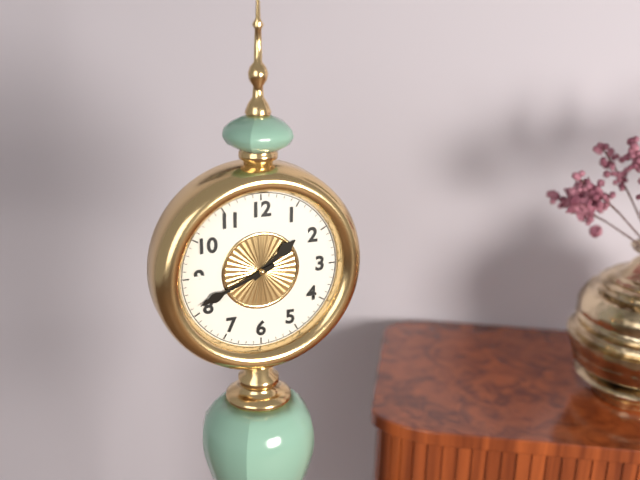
1:41
